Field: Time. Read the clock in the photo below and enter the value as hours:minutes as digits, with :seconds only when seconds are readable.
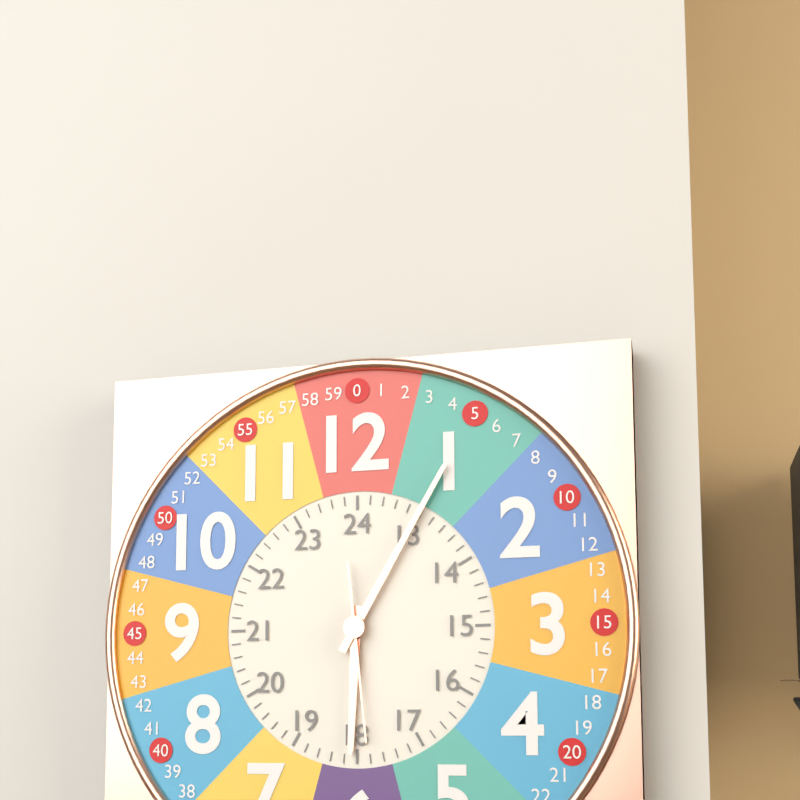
6:05:29
